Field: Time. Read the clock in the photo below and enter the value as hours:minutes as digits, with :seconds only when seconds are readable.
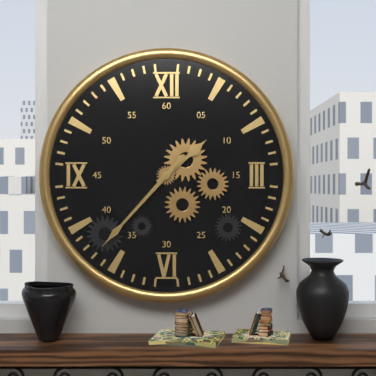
1:37
